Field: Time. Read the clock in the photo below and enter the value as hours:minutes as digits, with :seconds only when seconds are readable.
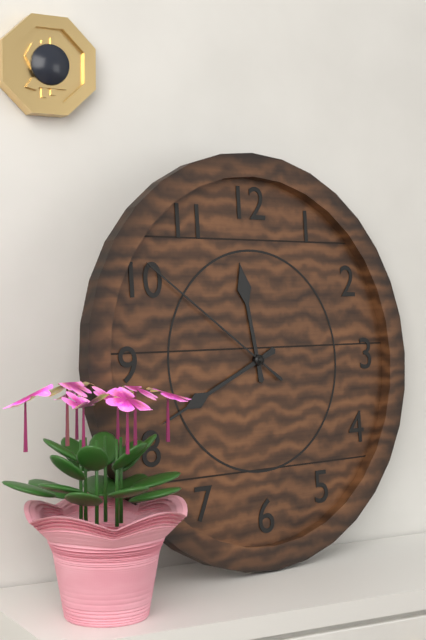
11:41:51
